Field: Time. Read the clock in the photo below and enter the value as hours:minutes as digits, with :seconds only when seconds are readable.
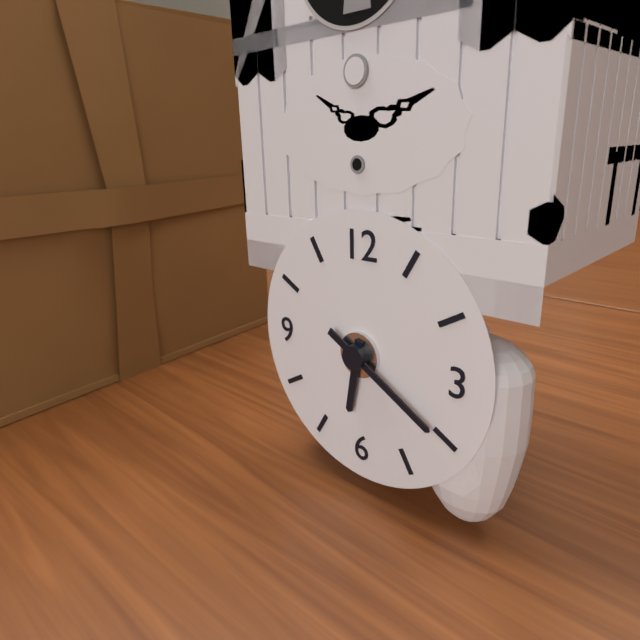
6:20
